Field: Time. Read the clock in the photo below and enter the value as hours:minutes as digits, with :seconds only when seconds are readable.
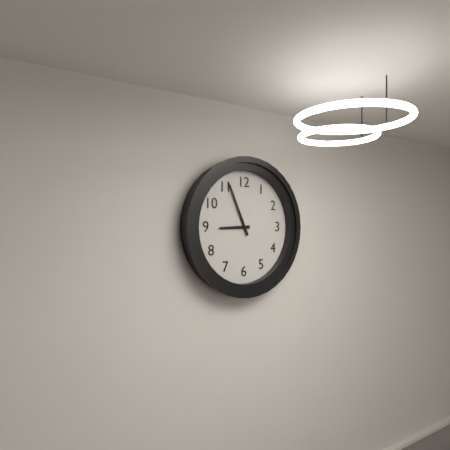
8:56
